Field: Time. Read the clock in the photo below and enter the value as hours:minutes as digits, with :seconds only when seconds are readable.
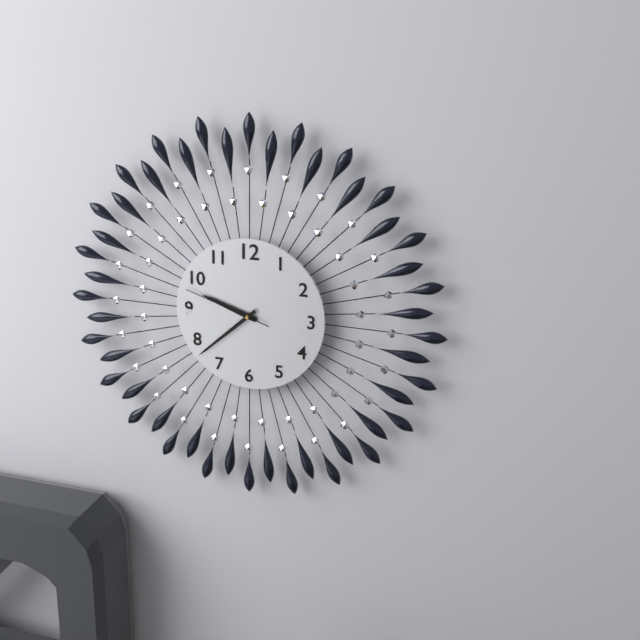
9:38:48
